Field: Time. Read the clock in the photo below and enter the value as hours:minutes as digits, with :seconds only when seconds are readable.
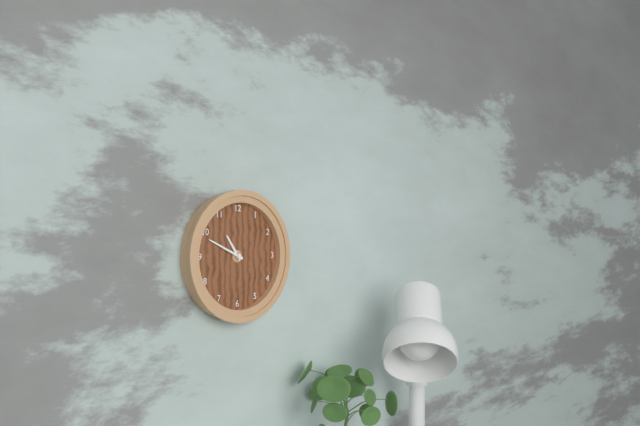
10:49
